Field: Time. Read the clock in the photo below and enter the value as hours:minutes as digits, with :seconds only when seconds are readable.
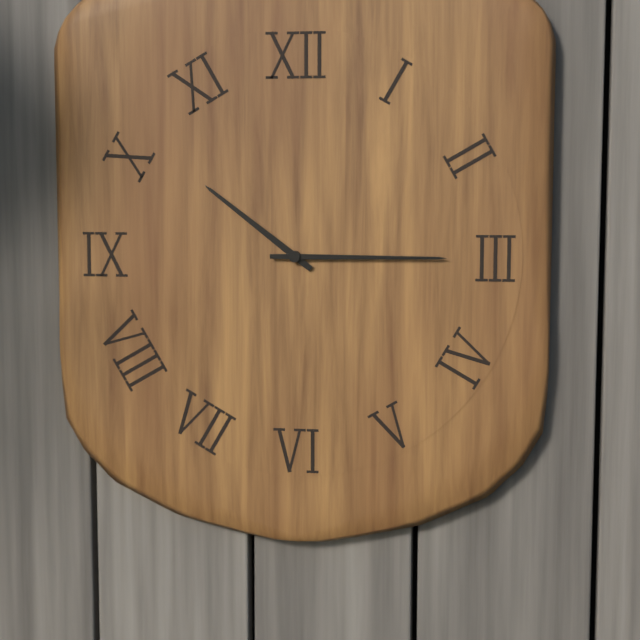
10:15
